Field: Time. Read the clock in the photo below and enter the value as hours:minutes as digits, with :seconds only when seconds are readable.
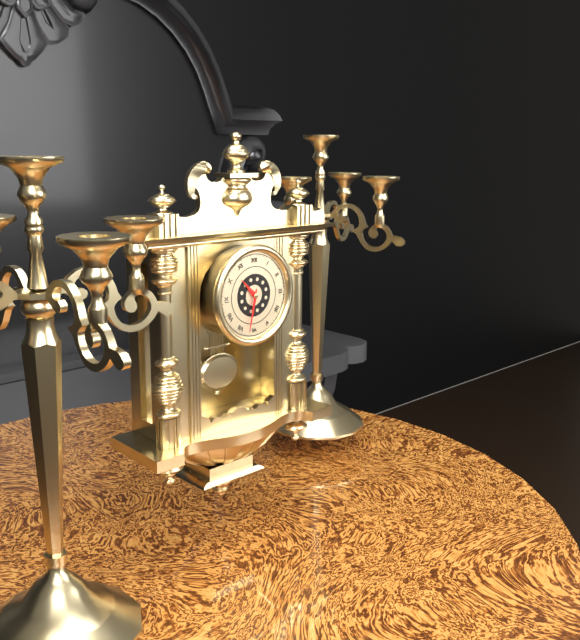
10:32
